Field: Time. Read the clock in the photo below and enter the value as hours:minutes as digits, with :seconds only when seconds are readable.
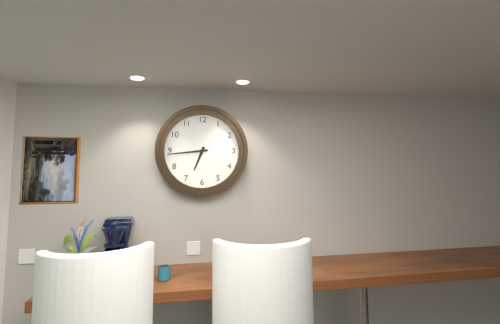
6:44
